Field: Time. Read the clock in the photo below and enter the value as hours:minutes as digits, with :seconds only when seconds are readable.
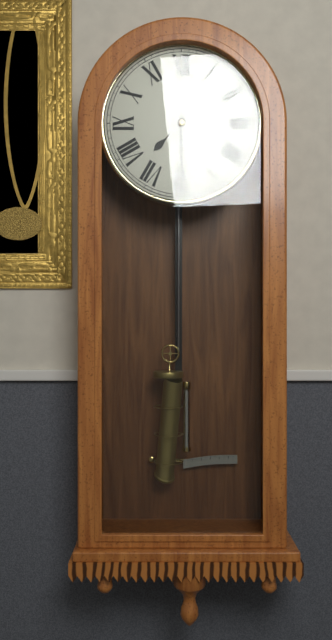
7:30
